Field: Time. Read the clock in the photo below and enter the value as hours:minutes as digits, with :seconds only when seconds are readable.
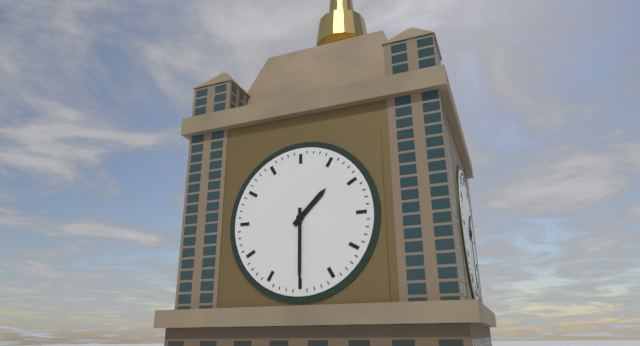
1:30
